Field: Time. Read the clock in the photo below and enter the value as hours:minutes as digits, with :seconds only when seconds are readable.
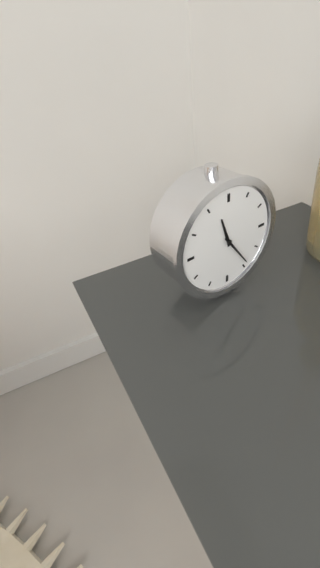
11:24
